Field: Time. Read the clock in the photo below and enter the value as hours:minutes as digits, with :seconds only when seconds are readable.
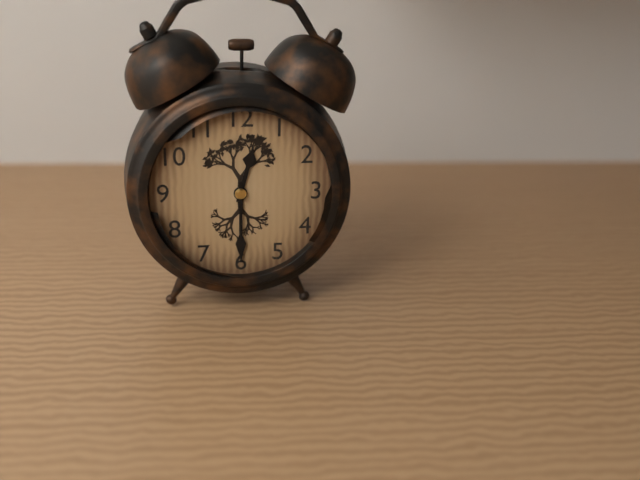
12:30
